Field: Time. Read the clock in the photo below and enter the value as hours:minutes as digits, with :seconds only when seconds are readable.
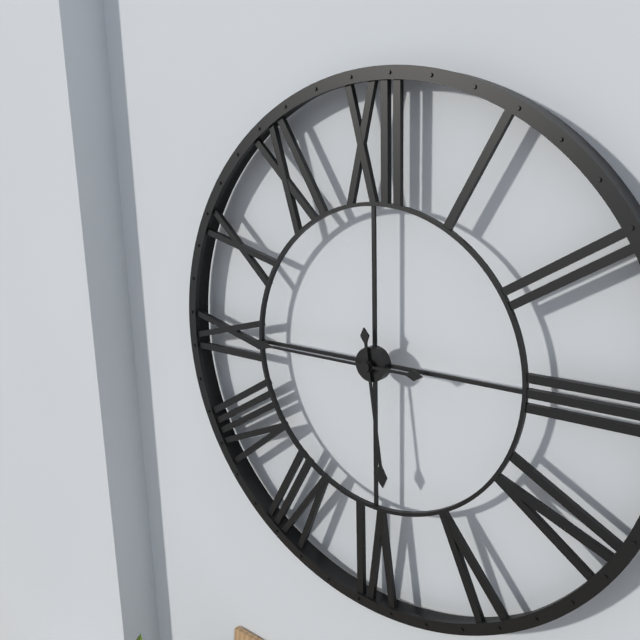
5:45
